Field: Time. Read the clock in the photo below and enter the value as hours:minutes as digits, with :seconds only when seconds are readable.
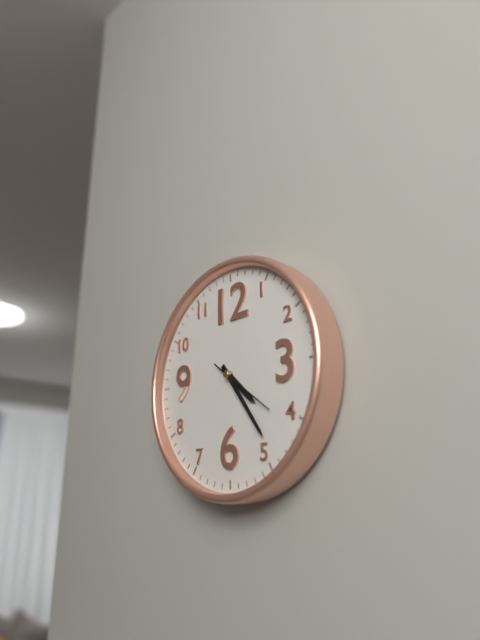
4:24:21
